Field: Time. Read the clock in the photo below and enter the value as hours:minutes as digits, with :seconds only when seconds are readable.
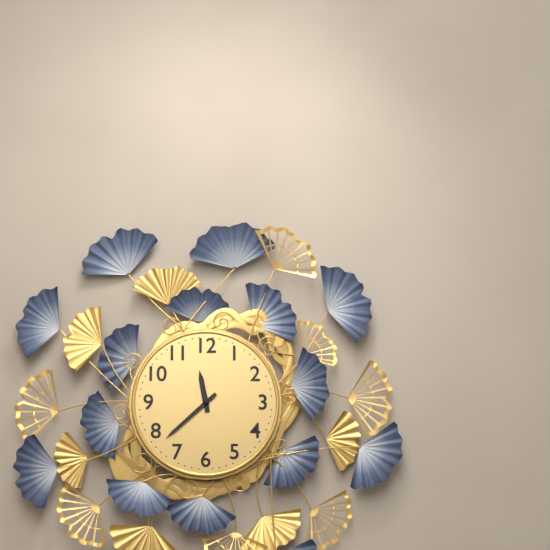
11:38
